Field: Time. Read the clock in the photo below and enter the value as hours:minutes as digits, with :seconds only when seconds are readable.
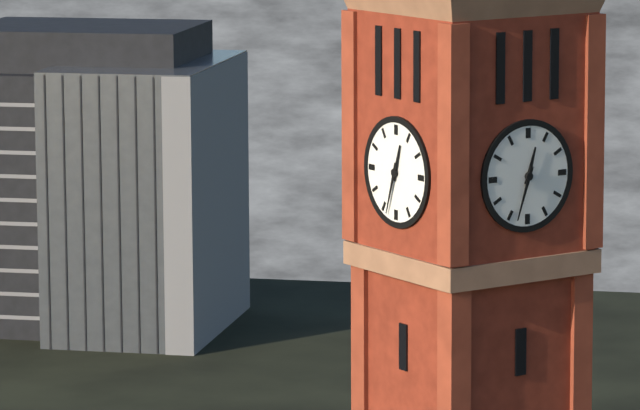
12:33
